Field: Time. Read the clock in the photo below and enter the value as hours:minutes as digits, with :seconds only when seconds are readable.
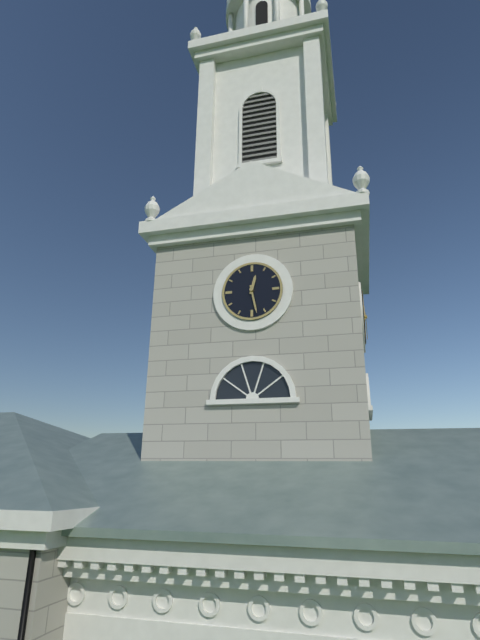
12:28
